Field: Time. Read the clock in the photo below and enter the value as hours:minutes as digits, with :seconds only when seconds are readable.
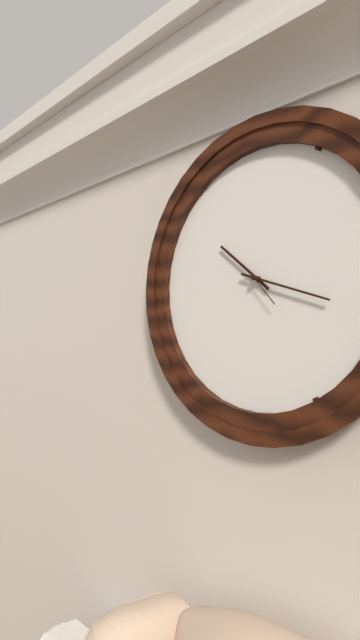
10:18
